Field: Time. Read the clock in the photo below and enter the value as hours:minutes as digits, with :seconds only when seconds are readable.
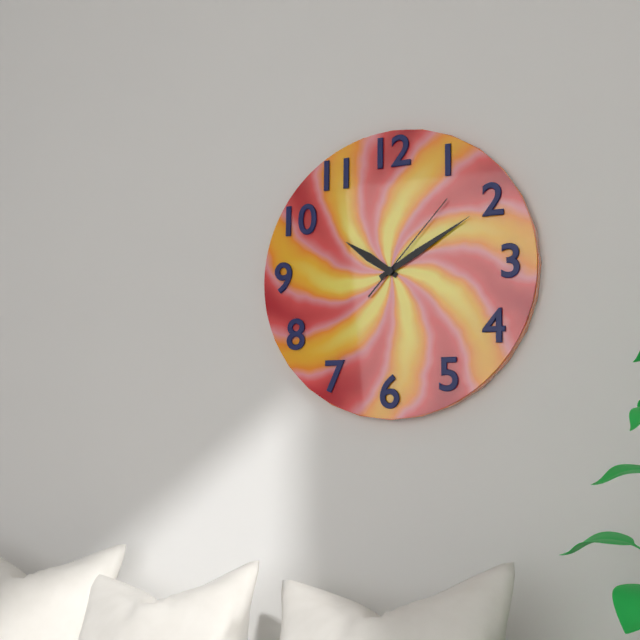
10:10:07
